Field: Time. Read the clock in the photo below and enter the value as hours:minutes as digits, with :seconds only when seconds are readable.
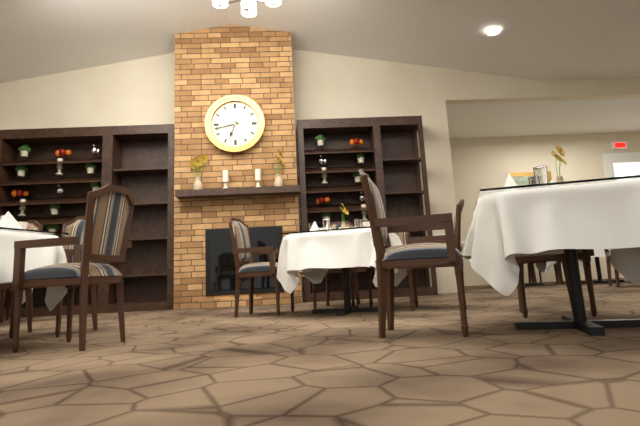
6:43
